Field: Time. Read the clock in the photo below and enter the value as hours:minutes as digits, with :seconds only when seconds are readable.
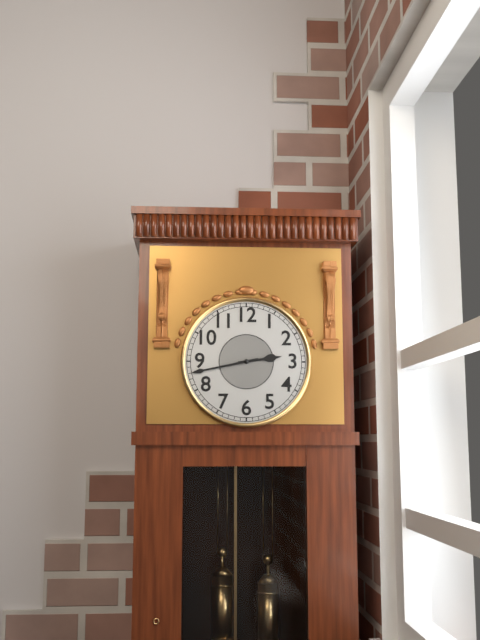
2:43
